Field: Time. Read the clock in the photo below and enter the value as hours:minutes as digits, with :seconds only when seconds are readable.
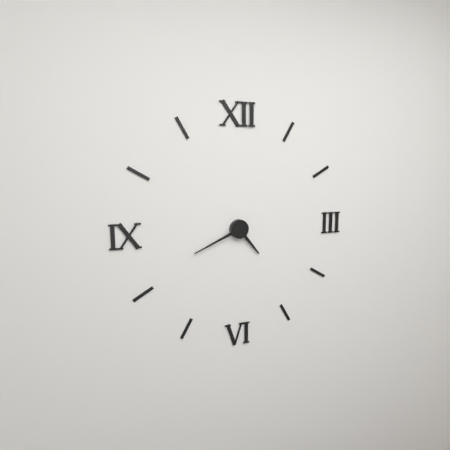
4:41
